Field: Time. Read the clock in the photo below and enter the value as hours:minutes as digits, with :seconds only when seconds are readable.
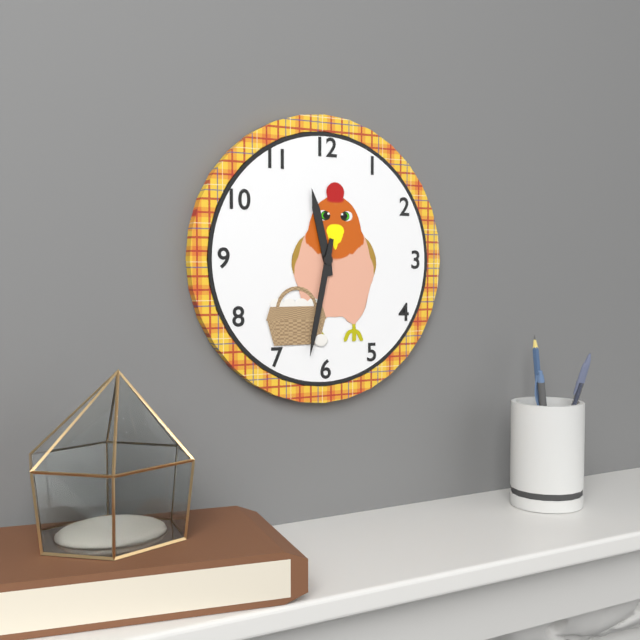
11:32
